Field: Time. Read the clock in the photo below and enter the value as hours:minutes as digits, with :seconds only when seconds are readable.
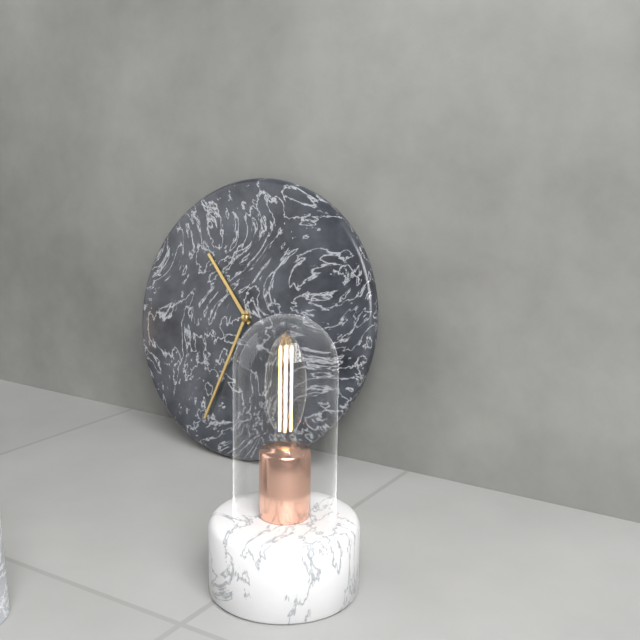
10:33
